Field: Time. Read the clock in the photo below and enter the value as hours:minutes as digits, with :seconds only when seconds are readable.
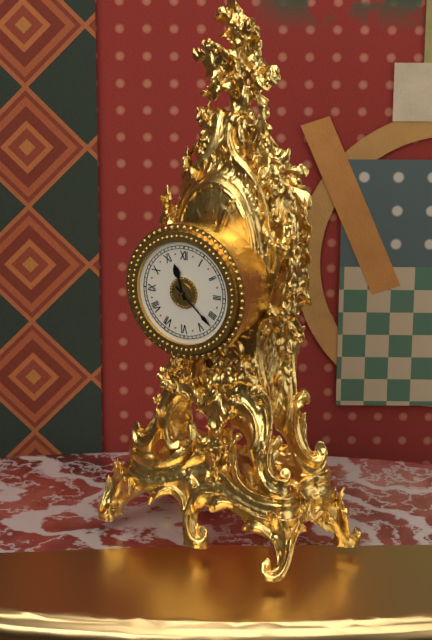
11:22
